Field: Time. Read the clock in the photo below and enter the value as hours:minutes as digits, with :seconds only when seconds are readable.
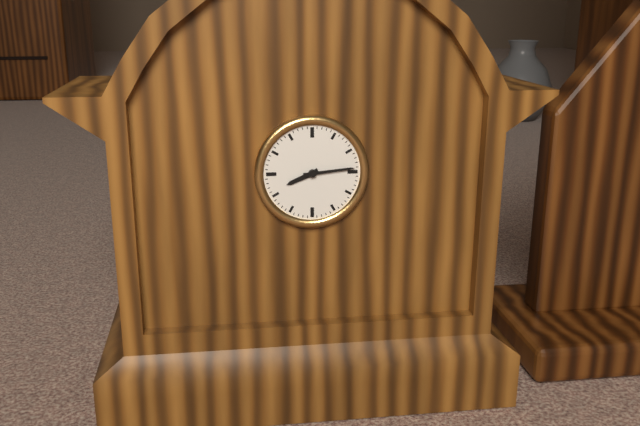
8:14
